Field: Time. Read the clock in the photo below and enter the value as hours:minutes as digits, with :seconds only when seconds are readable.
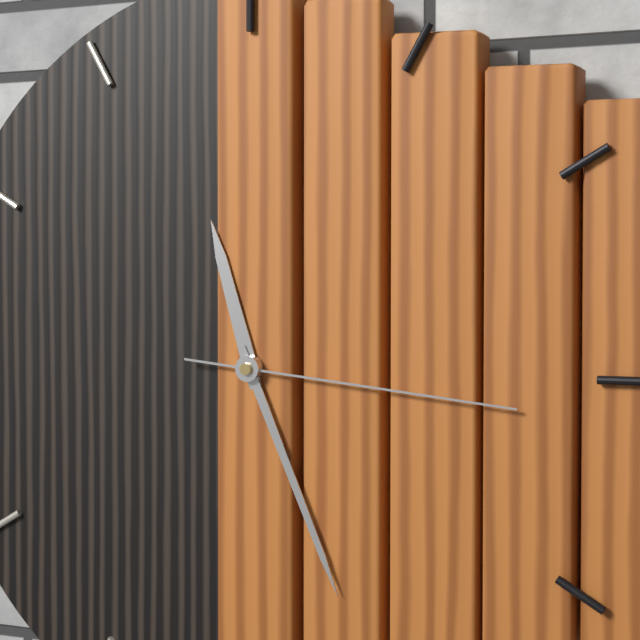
11:26:16
